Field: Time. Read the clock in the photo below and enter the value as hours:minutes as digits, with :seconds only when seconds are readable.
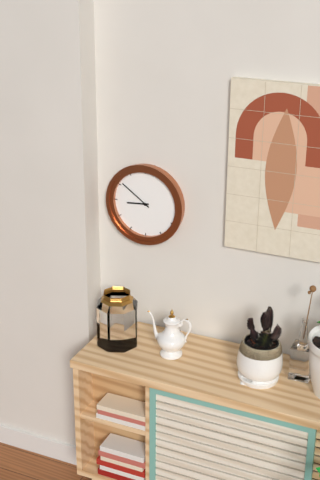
8:51
